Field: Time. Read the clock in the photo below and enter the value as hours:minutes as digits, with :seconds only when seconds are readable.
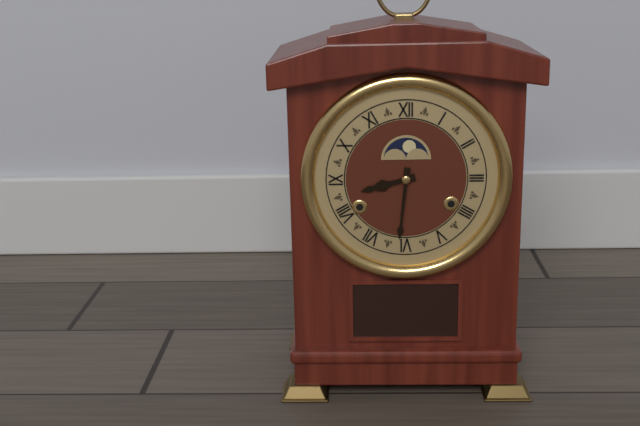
8:31
